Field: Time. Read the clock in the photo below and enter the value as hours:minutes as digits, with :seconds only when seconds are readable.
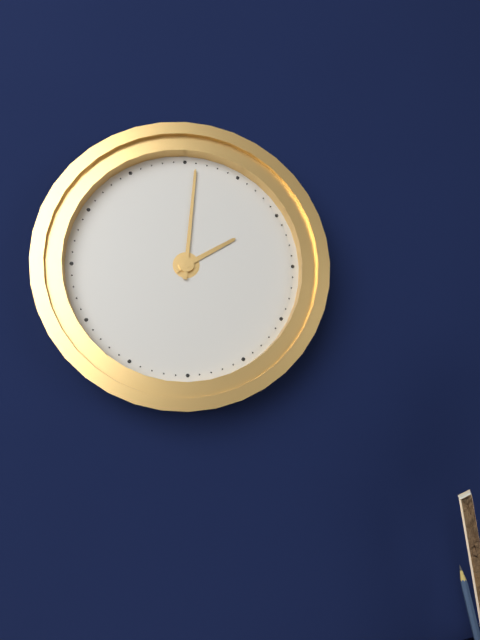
2:01
